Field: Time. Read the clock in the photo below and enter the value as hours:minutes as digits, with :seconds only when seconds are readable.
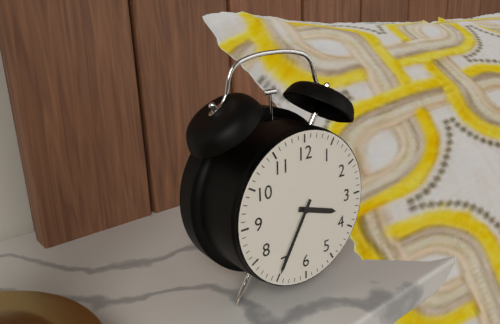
3:35
